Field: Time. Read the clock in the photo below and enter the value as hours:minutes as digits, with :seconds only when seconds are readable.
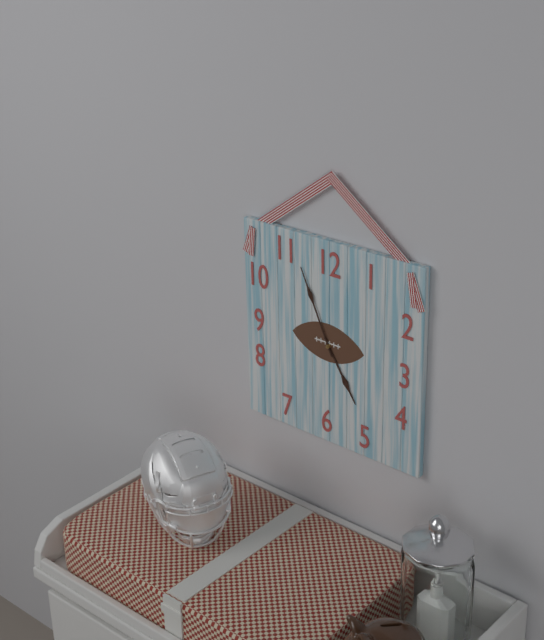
4:56
